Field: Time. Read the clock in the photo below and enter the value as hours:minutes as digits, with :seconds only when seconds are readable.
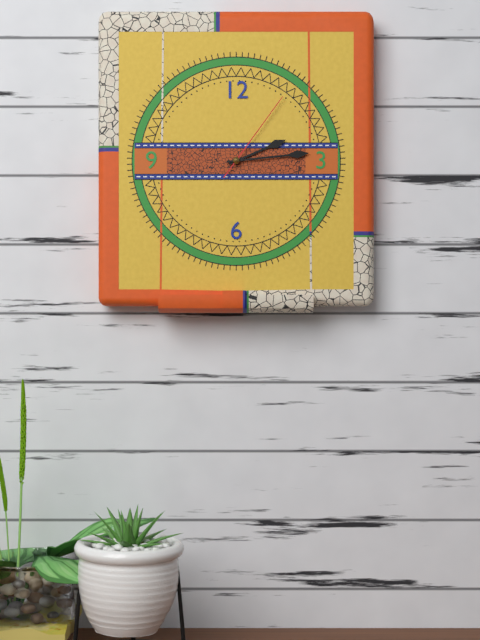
2:14:06
